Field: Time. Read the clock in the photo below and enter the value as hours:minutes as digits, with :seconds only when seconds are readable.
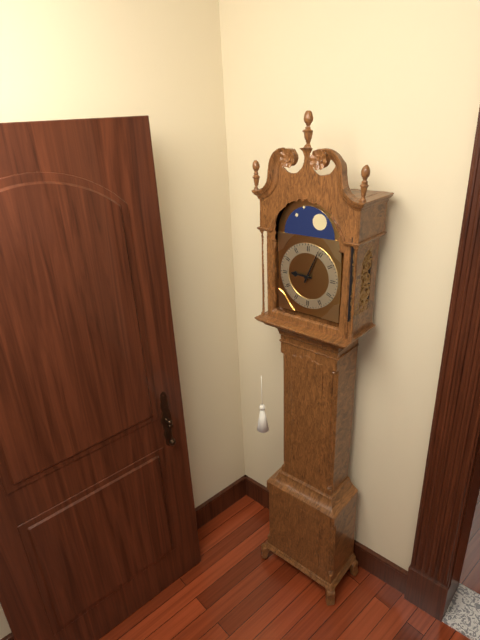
9:04
